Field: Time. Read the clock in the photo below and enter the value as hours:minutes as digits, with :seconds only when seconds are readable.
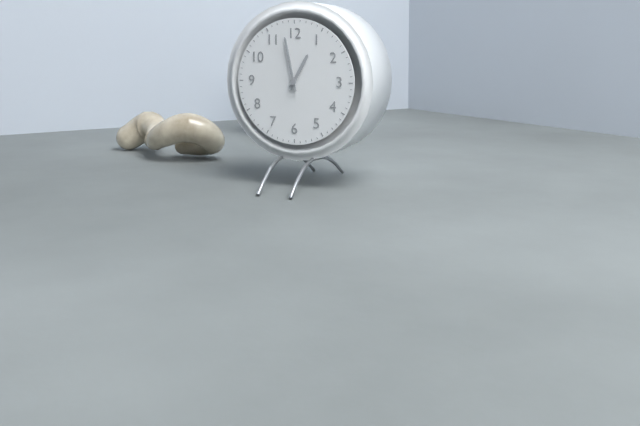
12:58
